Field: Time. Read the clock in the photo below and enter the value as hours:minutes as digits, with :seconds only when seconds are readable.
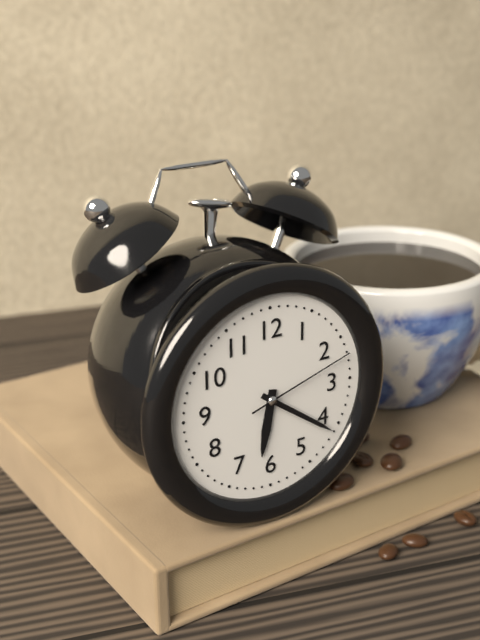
6:21:12
